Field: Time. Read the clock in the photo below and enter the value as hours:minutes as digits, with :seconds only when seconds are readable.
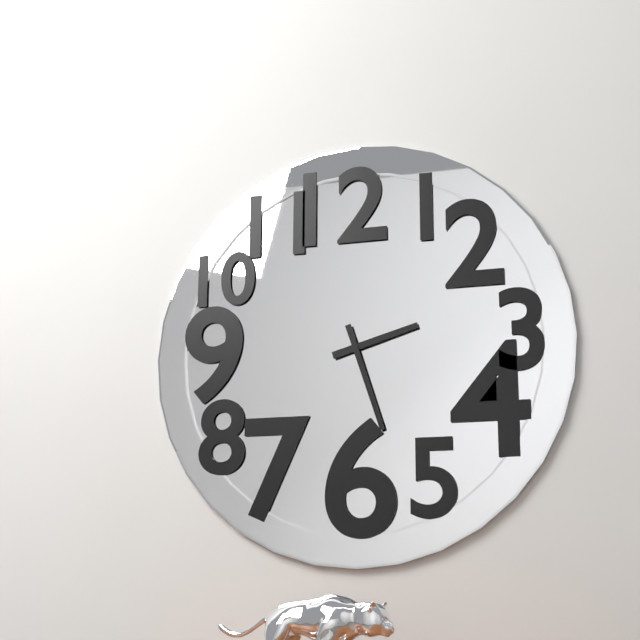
2:27
